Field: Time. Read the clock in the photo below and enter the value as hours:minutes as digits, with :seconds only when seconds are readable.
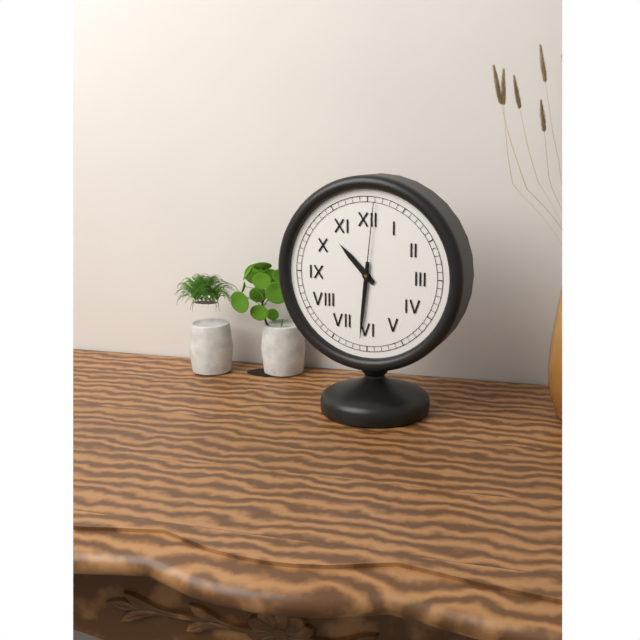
10:31:01
